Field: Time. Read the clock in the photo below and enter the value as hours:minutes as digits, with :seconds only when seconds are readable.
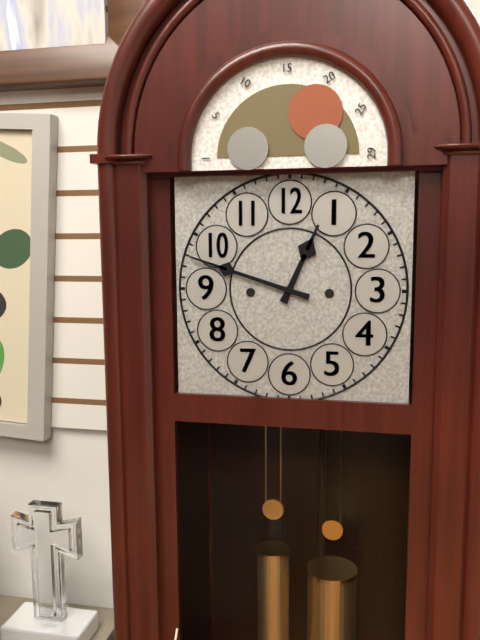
12:48
